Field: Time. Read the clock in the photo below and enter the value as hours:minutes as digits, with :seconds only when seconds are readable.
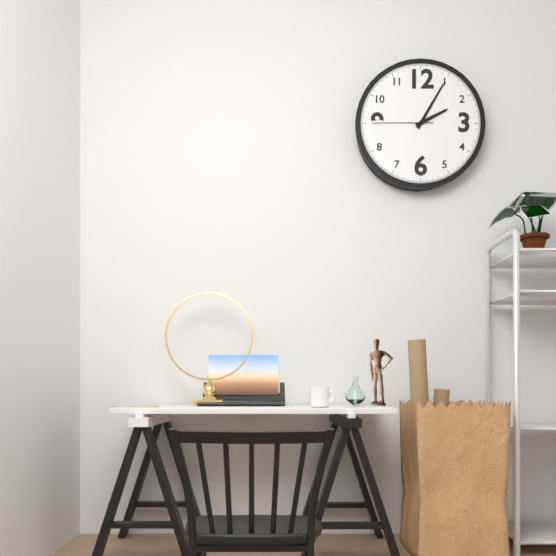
2:05:45
